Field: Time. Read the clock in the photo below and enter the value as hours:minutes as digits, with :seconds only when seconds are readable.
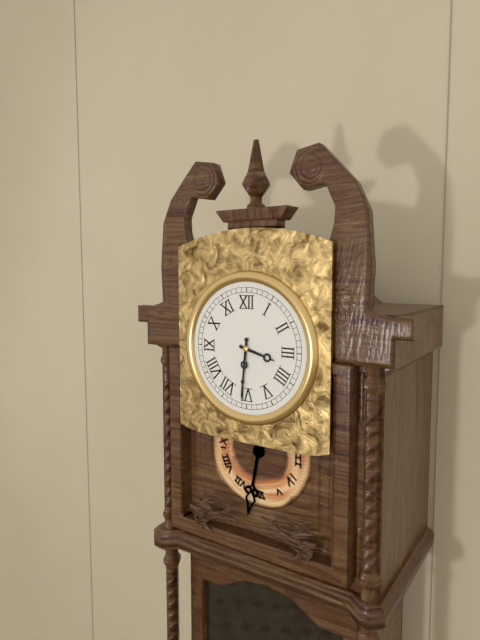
3:31
